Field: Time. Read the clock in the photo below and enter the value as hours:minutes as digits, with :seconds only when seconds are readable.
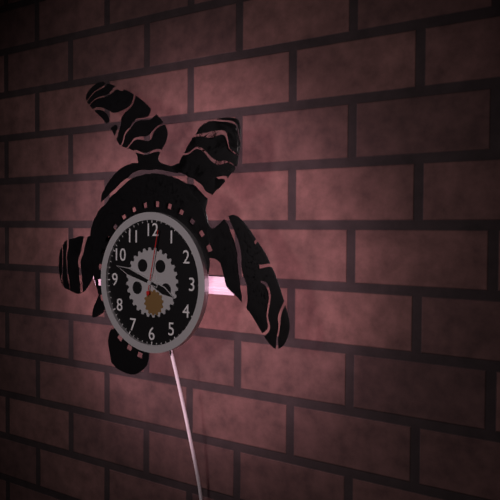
3:48:02
